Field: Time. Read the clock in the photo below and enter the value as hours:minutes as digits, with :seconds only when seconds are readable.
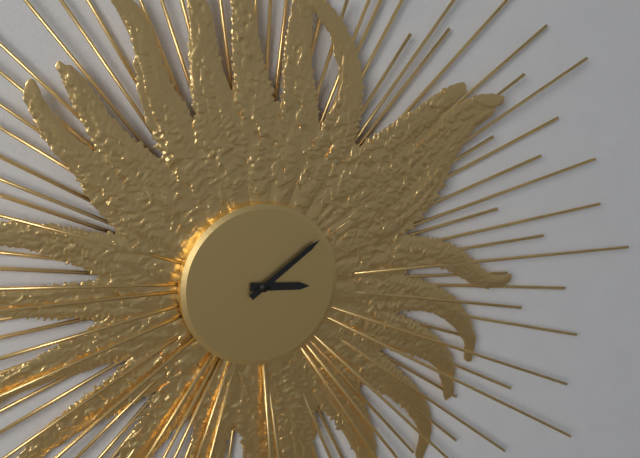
3:09
